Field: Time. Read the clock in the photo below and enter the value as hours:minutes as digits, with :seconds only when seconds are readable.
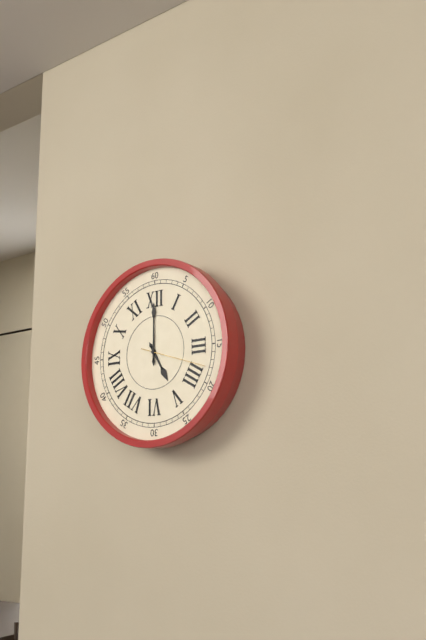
5:00:18
